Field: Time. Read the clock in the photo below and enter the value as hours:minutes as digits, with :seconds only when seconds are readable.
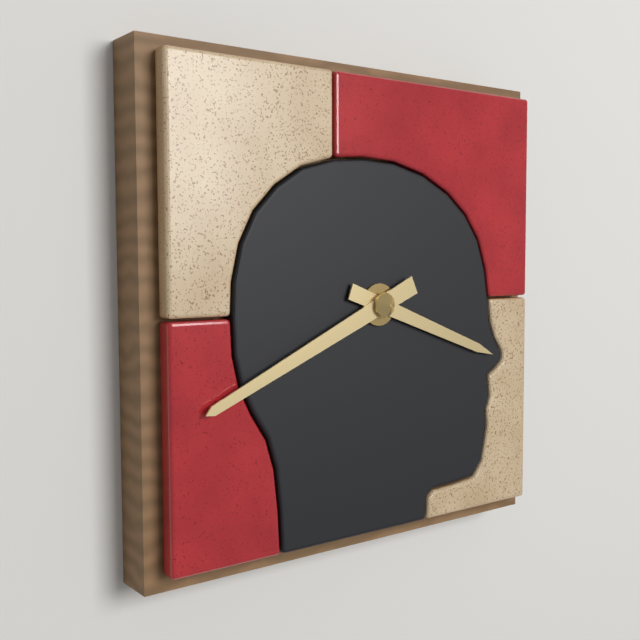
3:41
